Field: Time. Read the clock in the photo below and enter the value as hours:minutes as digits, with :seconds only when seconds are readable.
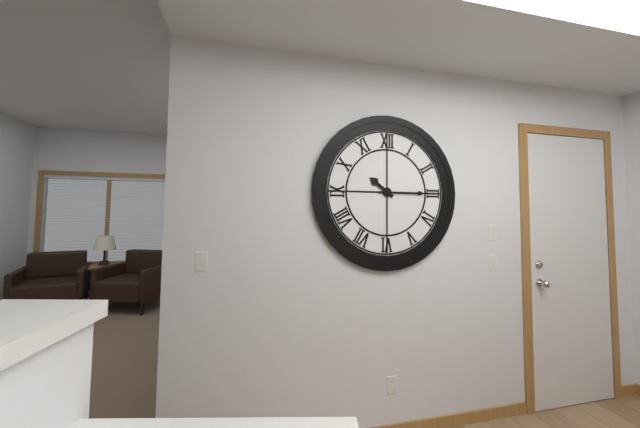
10:15
